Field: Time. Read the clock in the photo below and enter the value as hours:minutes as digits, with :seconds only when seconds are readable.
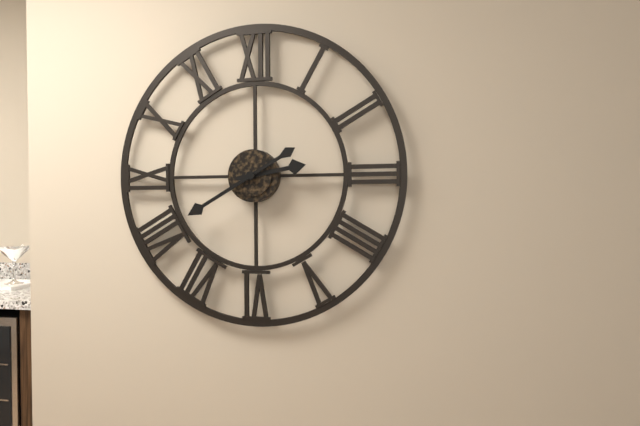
2:40
